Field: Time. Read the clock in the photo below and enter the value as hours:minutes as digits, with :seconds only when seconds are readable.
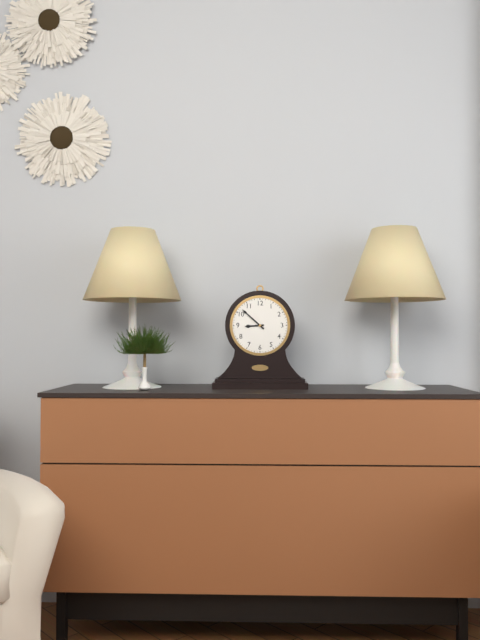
8:52
